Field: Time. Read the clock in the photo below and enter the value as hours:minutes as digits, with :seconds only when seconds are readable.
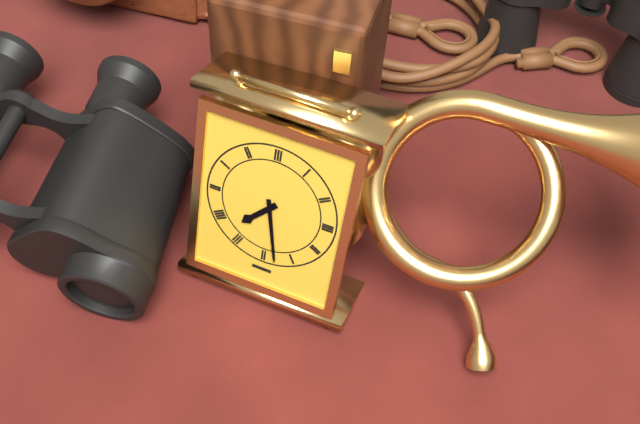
7:28
